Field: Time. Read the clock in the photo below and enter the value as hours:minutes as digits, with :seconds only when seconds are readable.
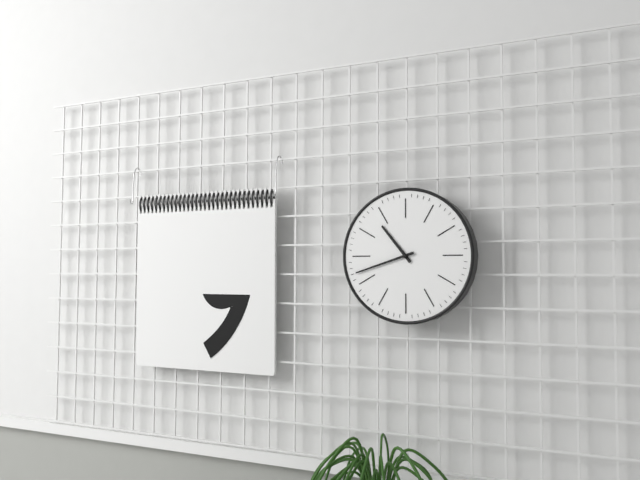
10:42
